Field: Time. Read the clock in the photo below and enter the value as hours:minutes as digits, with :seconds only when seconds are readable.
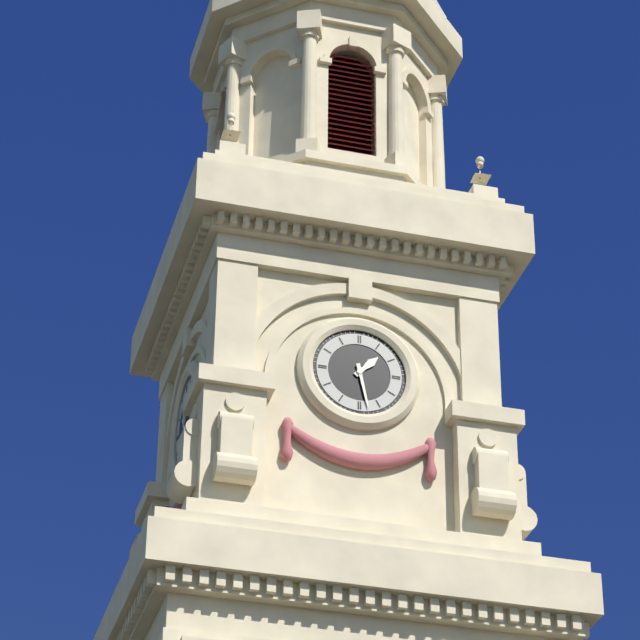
1:28
